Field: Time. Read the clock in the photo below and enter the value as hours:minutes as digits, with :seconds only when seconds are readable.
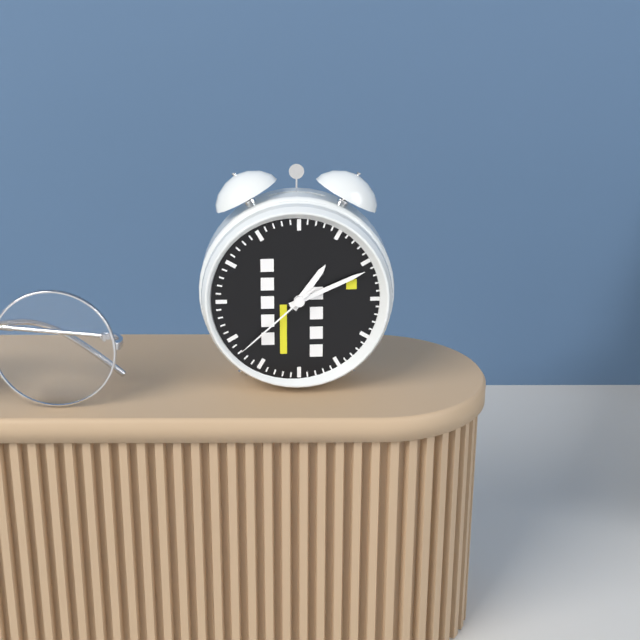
1:11:38
